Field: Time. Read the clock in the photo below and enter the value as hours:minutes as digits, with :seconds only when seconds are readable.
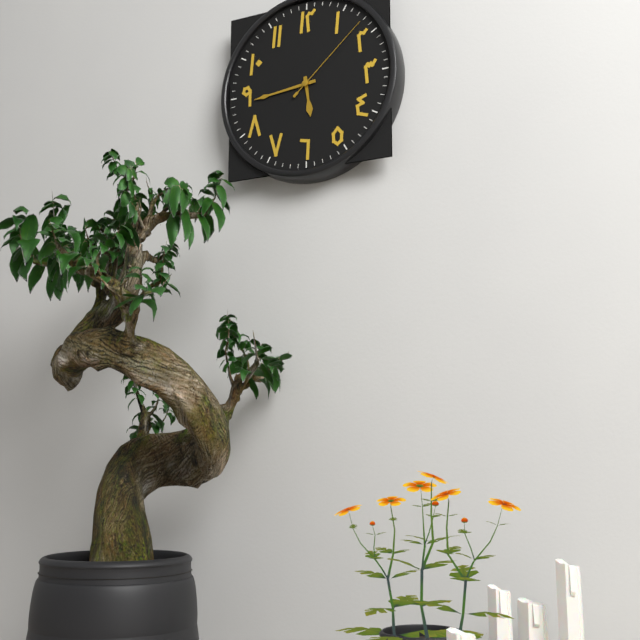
5:44:08
